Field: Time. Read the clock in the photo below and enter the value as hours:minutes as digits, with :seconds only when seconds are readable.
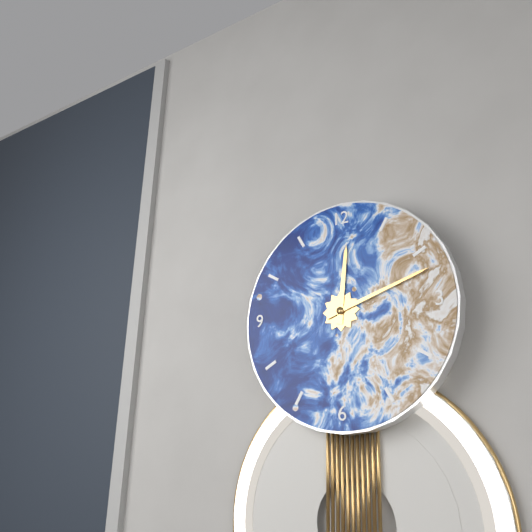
12:12
